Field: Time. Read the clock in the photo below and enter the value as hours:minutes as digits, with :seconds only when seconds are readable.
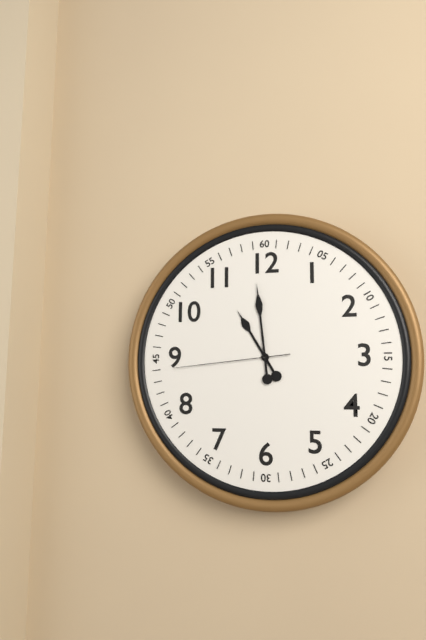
10:59:44
